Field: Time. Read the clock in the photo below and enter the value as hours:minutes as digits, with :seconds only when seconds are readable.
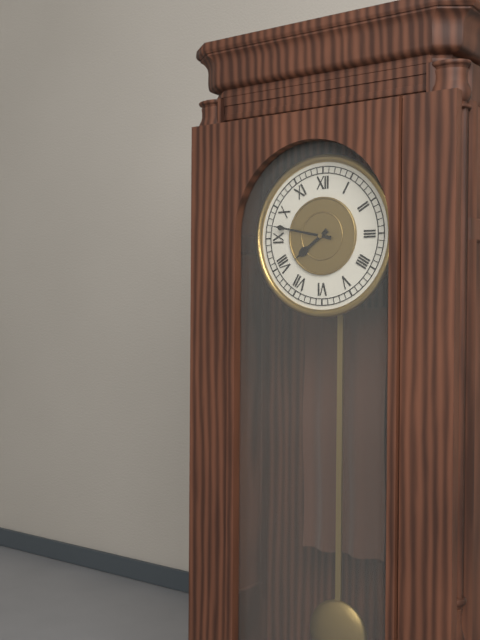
7:47
